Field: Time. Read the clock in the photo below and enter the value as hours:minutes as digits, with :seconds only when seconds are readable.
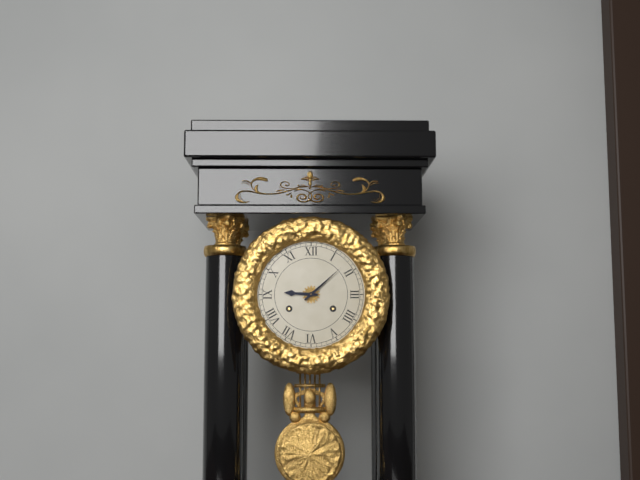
9:08
